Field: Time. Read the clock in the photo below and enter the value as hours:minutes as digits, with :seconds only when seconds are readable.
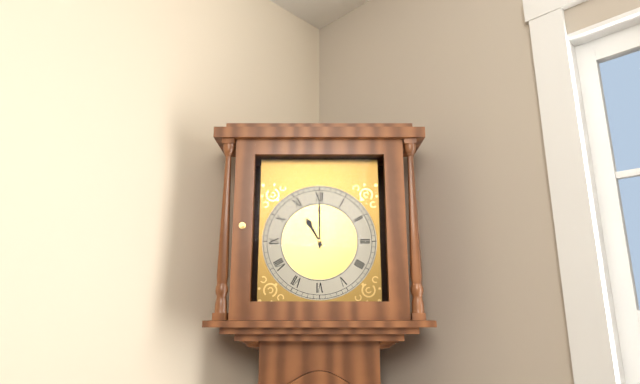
11:00
